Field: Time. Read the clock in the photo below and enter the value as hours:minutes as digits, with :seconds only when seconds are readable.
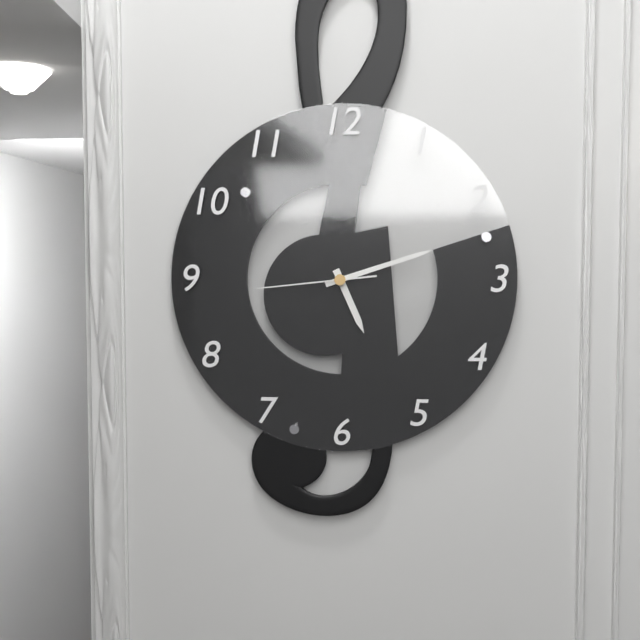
5:12:44
